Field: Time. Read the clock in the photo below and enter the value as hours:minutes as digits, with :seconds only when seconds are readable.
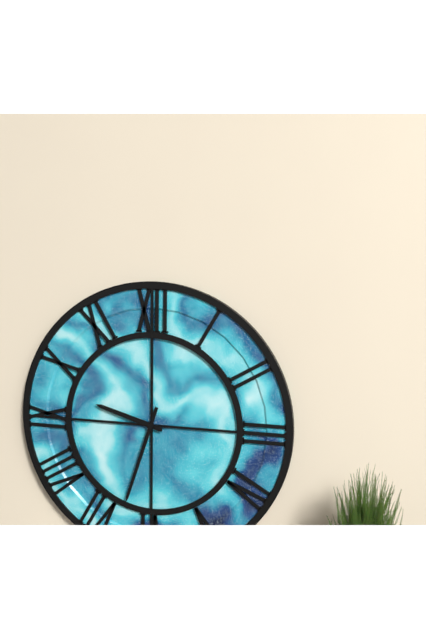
9:33
